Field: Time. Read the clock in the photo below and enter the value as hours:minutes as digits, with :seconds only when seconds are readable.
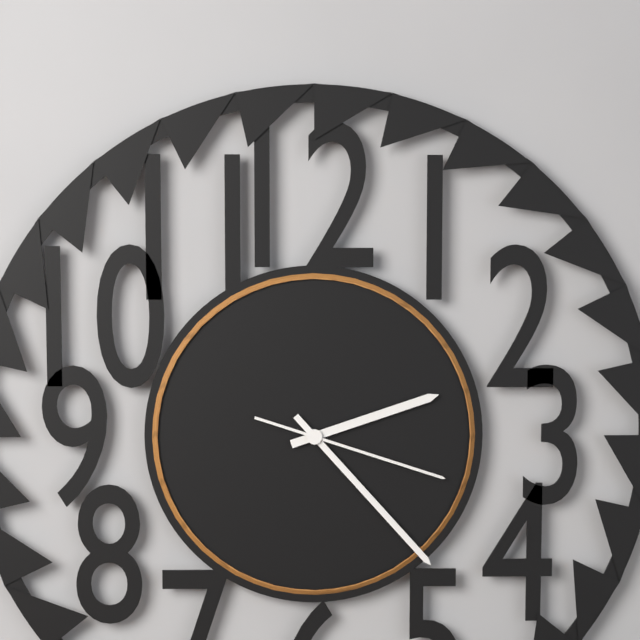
2:23:18
